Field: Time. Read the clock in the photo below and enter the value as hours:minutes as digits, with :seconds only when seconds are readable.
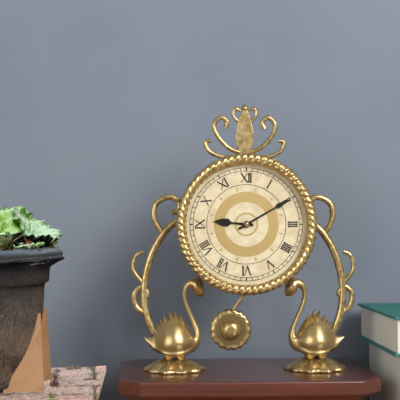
9:10
